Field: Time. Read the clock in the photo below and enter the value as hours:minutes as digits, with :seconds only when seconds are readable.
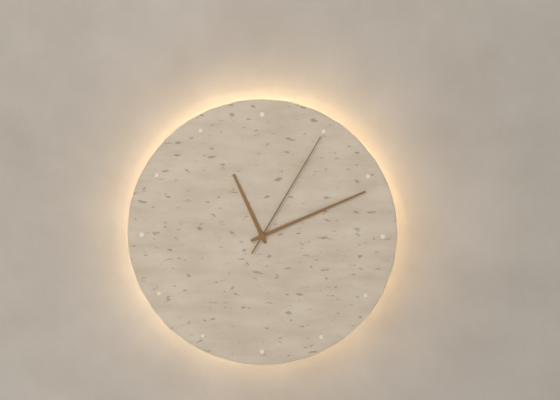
11:11:05
